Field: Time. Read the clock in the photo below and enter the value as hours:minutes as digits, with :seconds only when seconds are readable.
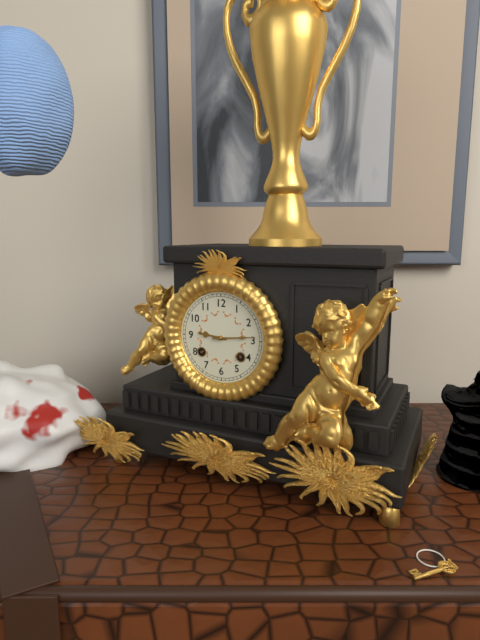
9:14
